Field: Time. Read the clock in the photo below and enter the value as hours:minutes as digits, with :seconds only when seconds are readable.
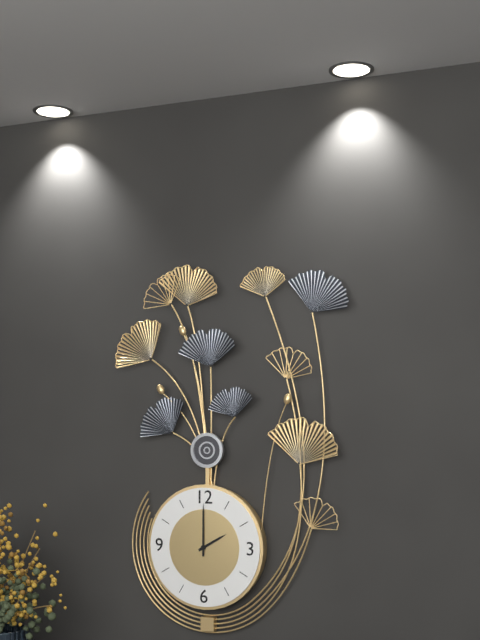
2:00
